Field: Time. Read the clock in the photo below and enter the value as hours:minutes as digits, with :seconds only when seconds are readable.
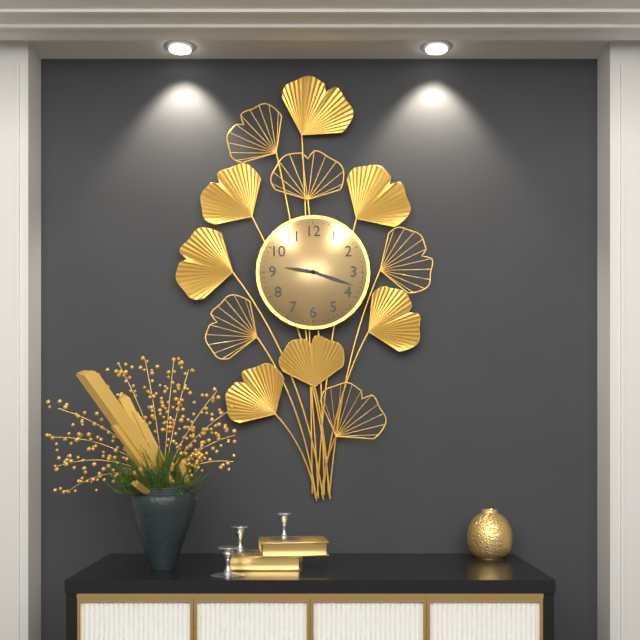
9:18
